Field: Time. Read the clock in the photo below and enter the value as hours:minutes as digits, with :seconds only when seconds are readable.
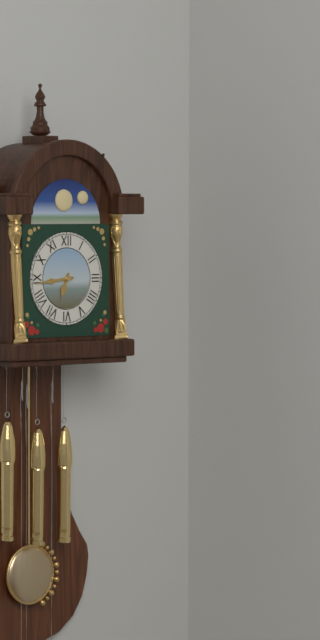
6:44
